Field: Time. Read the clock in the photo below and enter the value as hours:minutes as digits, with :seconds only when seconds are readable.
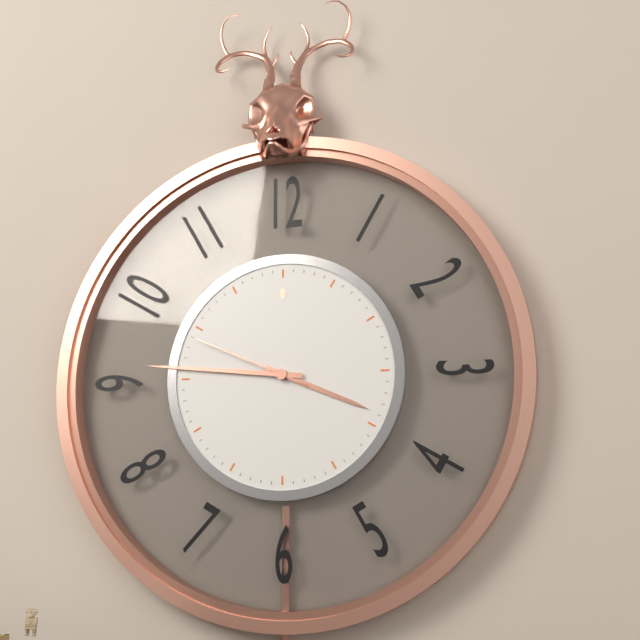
3:46:49
